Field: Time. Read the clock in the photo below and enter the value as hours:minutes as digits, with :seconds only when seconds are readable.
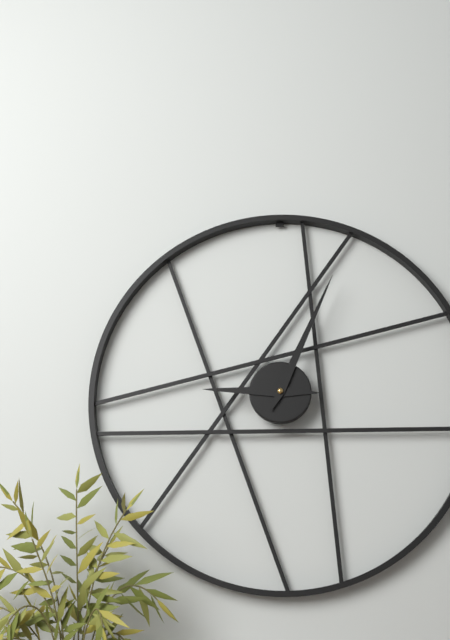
9:04
